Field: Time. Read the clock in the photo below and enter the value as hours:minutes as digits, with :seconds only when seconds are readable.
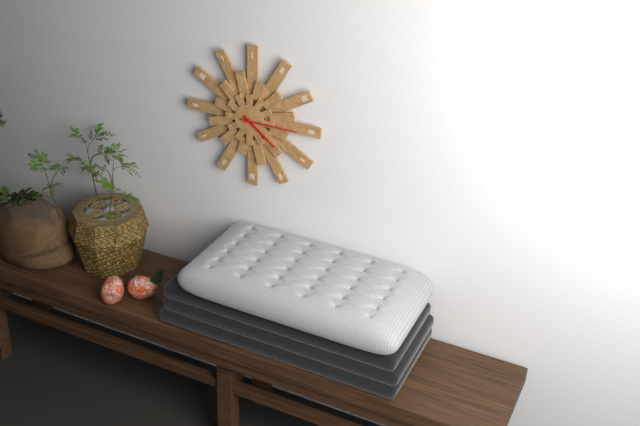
4:15
